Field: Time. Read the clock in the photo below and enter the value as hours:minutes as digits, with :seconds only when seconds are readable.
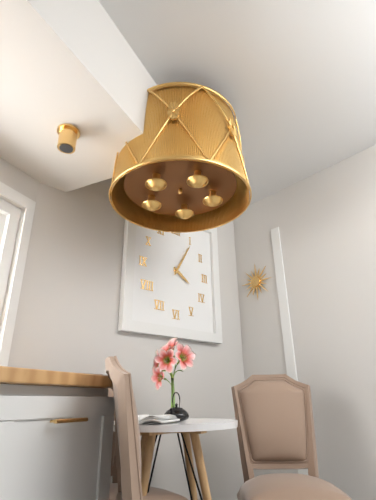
4:05
